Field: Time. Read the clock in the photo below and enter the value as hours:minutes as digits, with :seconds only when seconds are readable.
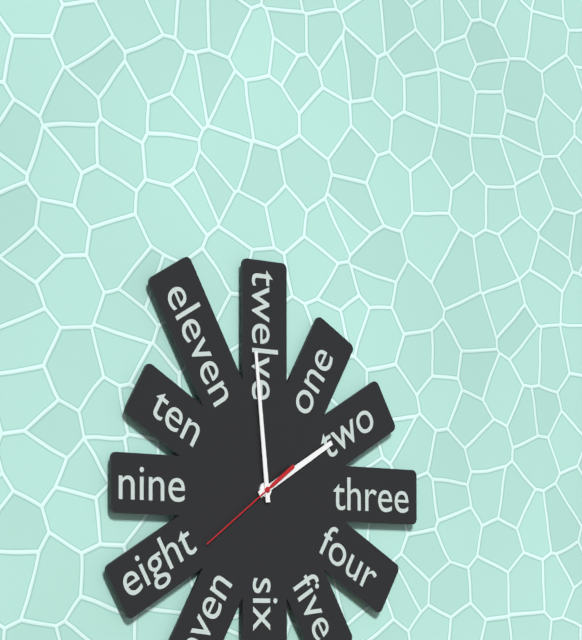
1:59:39
